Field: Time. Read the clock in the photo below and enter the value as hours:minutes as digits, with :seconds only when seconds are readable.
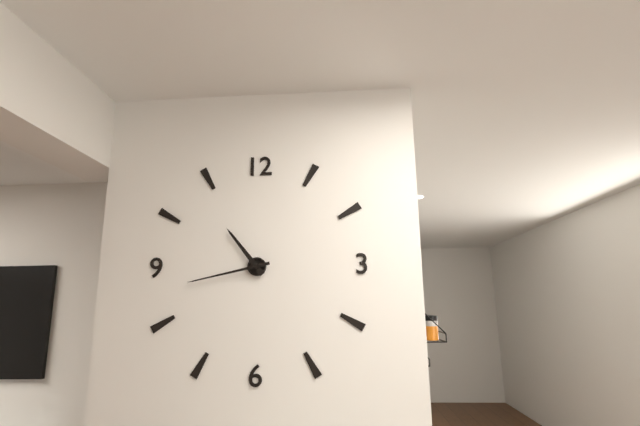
10:43
